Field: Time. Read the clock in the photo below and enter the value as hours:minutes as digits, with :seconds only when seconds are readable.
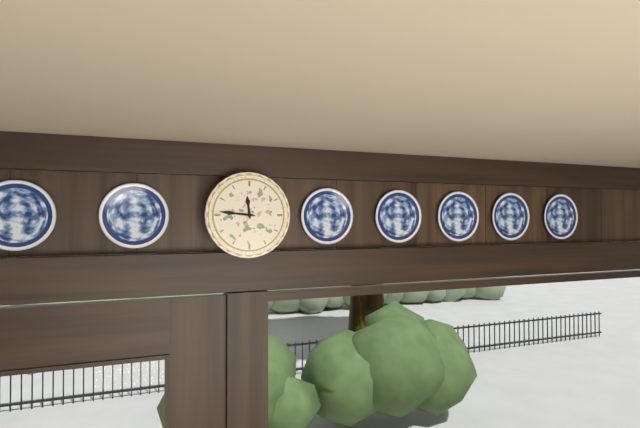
11:46
